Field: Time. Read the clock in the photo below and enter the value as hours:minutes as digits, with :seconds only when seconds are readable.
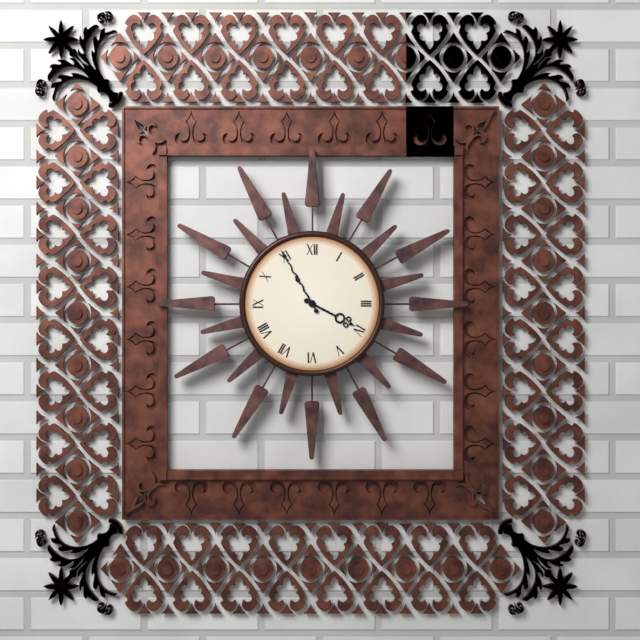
3:55
